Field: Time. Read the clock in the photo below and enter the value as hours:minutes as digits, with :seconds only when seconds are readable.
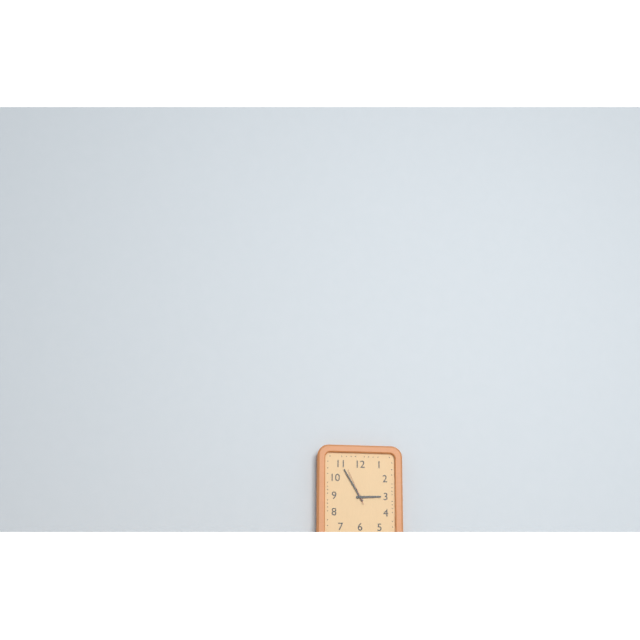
2:55
